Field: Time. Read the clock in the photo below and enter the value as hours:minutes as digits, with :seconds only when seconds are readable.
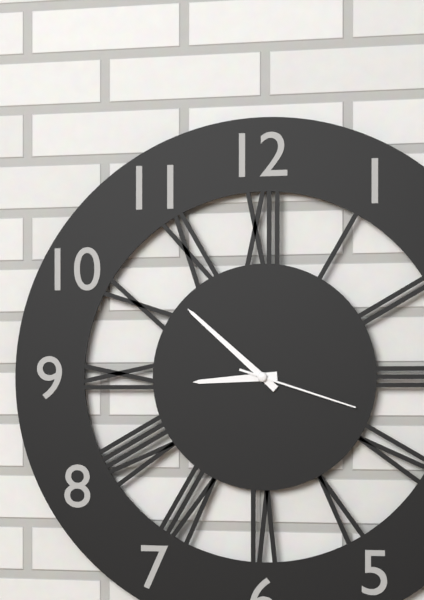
8:52:18
